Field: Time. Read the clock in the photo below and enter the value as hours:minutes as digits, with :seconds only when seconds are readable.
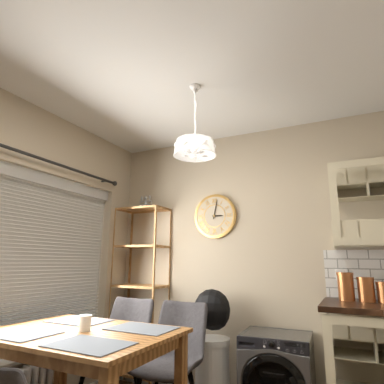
3:02
